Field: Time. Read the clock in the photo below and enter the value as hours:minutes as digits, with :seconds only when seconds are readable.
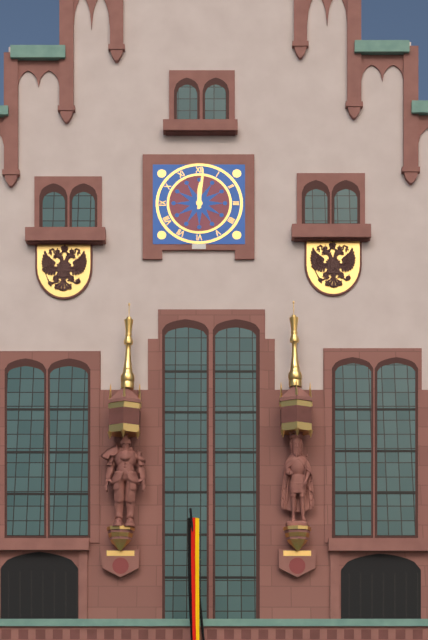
12:01
